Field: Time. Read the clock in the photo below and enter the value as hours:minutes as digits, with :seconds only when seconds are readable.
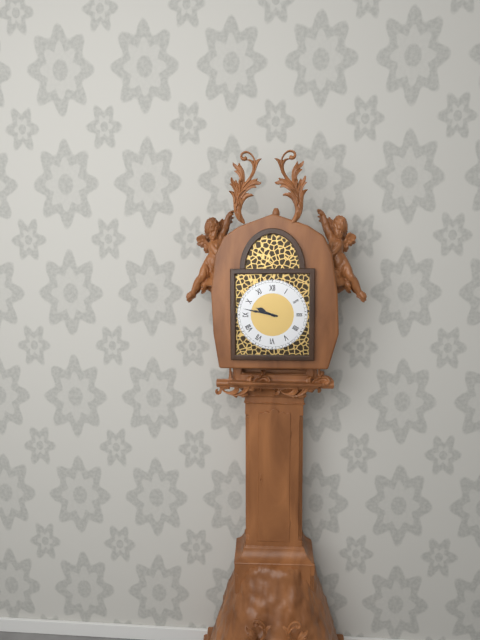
9:47
